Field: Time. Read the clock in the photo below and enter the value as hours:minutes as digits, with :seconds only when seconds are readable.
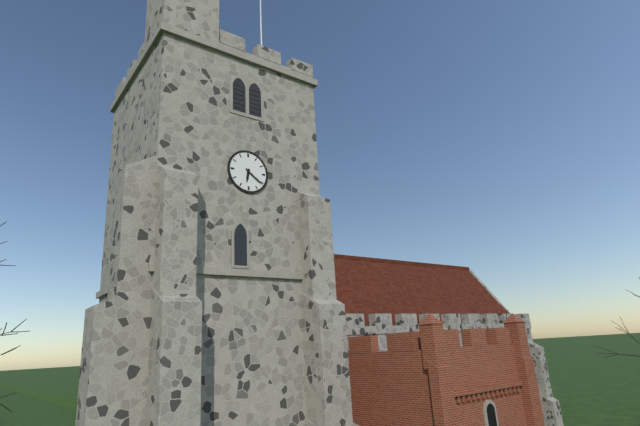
6:21
